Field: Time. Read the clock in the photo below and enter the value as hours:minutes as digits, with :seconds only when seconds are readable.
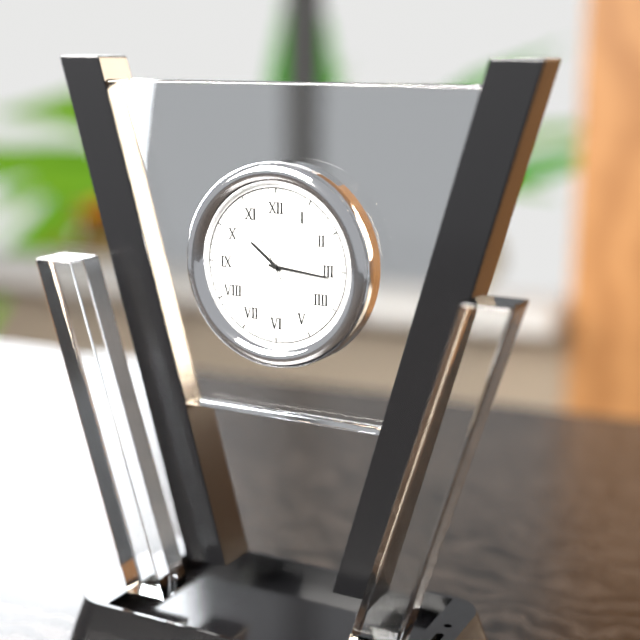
10:16:55
